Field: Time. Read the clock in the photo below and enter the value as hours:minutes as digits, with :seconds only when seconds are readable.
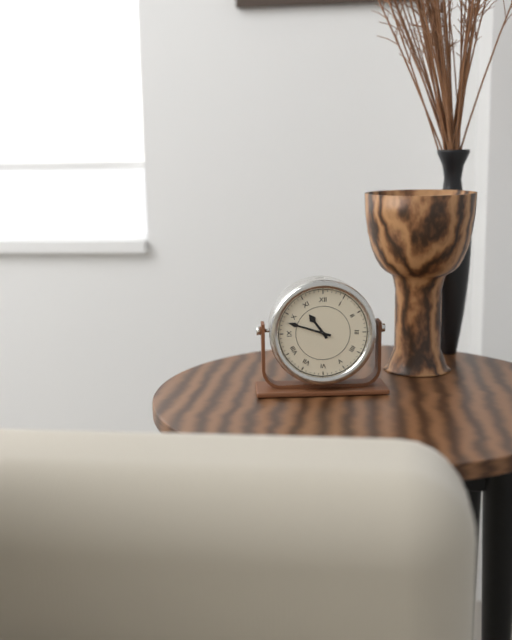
10:48
